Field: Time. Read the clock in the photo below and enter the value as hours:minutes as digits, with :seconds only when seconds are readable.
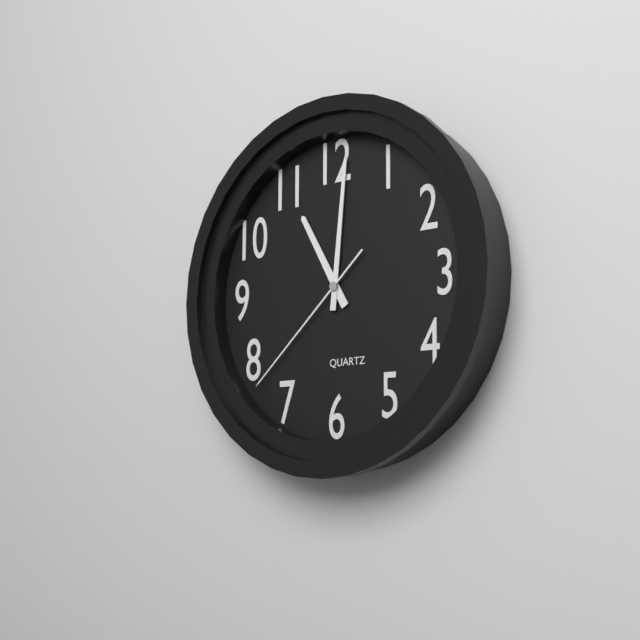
11:01:38
